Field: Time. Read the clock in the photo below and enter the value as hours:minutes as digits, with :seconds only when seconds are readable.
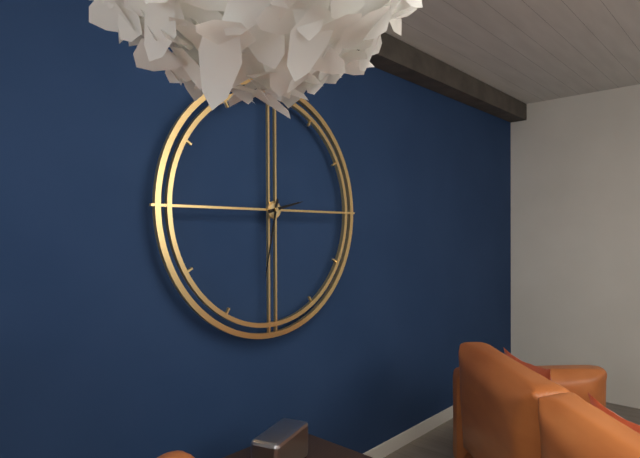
2:32
